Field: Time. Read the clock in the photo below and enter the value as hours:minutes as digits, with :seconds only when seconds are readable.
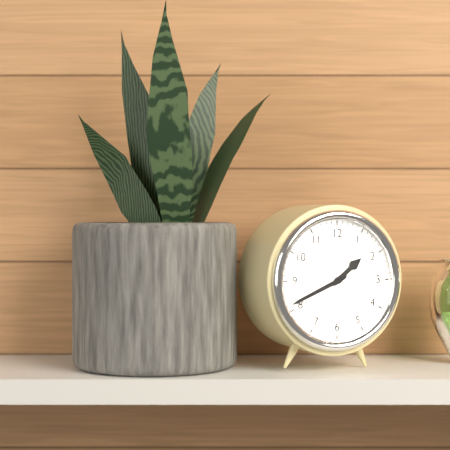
1:41
